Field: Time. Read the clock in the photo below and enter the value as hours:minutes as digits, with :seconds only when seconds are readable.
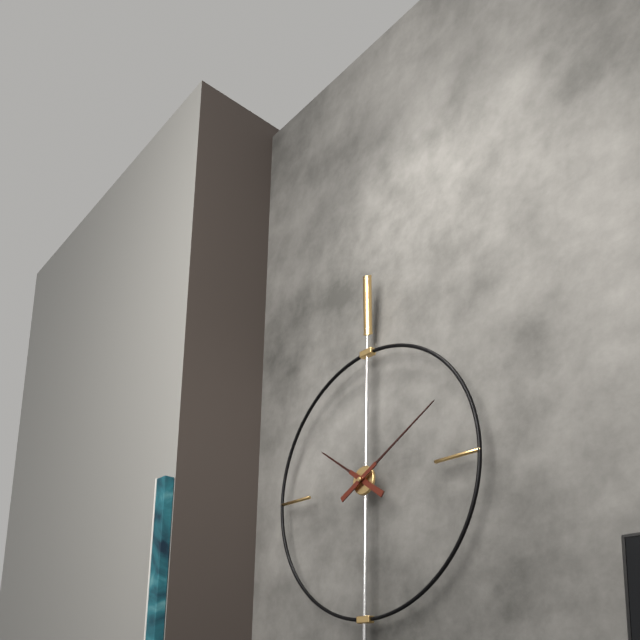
10:10
